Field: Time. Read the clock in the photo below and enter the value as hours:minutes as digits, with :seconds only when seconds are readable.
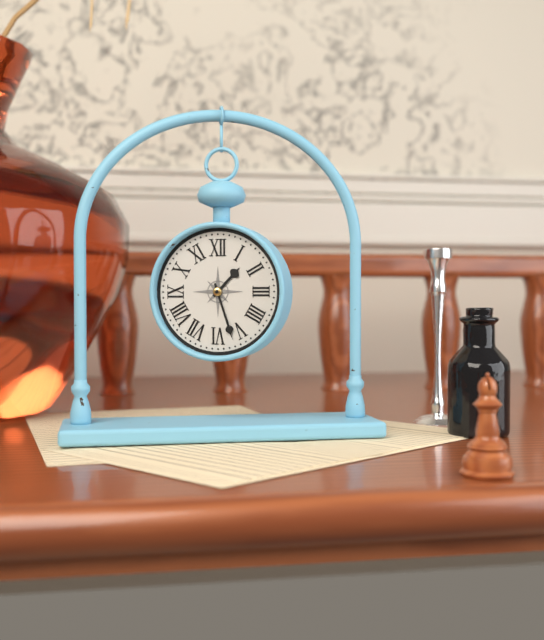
1:27
